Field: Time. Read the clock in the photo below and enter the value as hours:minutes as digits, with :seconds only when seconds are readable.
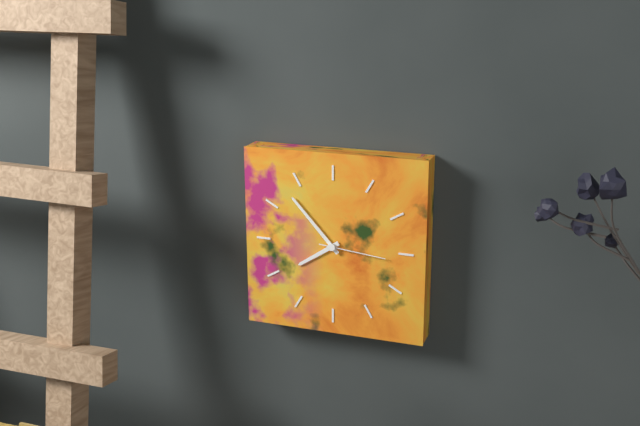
7:53:16
